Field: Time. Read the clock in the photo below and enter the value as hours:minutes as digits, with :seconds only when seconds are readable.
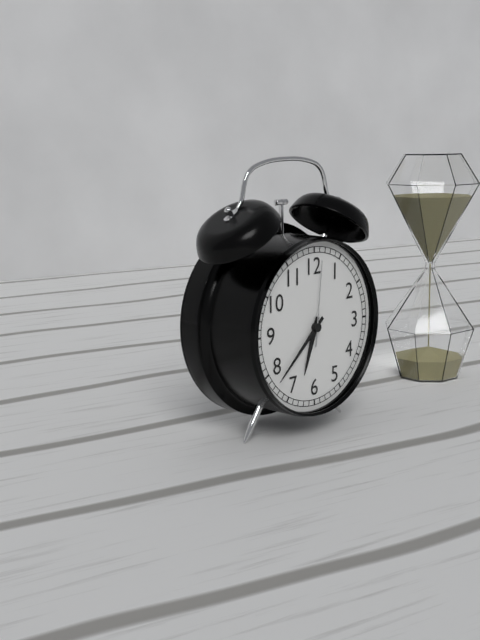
6:38:01
